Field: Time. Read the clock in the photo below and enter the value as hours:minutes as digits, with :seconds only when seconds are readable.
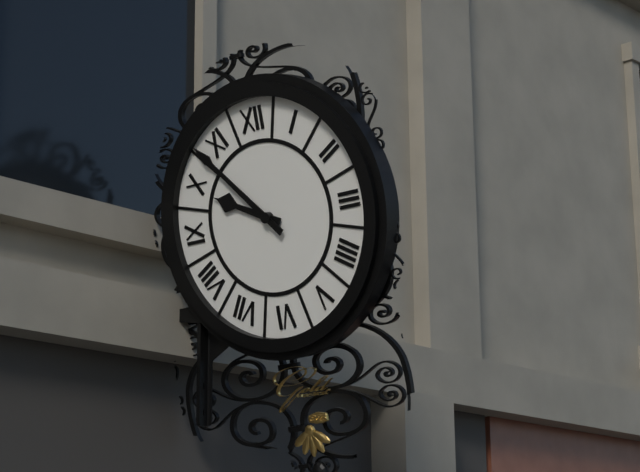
9:53
